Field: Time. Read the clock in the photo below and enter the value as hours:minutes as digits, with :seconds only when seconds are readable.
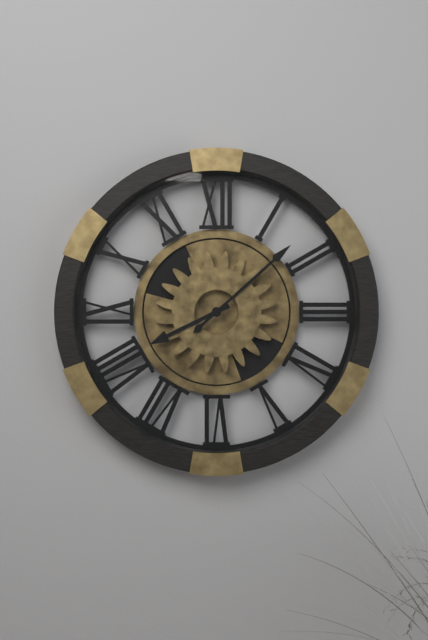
8:08
